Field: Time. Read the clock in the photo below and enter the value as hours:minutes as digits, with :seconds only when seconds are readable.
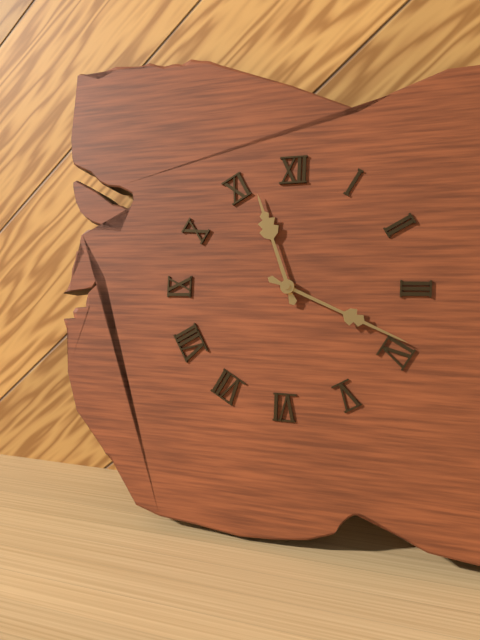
11:19
